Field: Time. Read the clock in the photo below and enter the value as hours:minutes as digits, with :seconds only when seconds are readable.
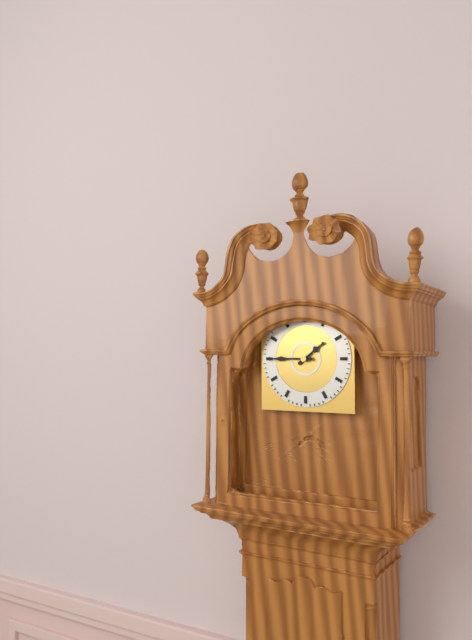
1:45
